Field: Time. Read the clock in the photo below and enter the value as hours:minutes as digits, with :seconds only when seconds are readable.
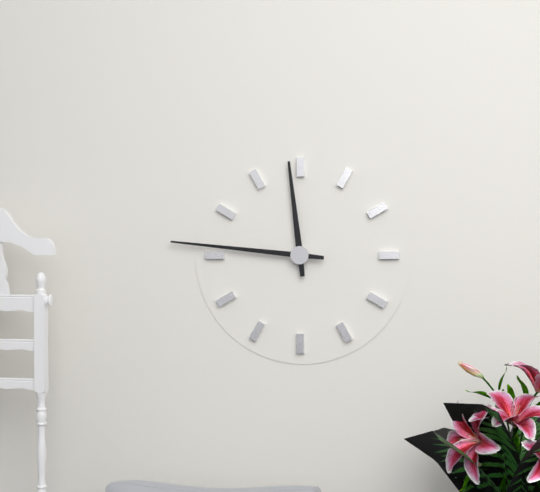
11:46
